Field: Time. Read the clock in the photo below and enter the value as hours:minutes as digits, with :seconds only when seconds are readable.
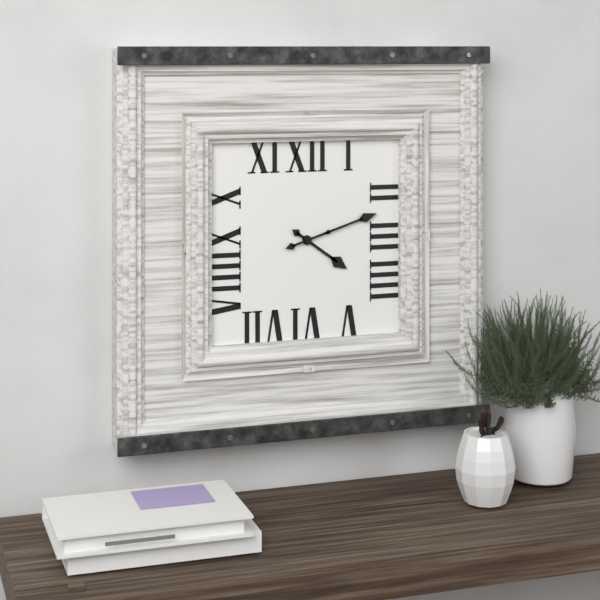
4:12
